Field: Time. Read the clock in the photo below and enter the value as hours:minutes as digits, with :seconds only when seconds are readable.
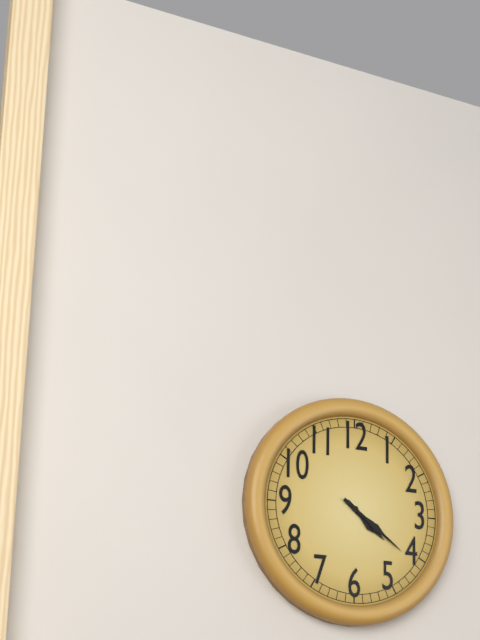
4:21
